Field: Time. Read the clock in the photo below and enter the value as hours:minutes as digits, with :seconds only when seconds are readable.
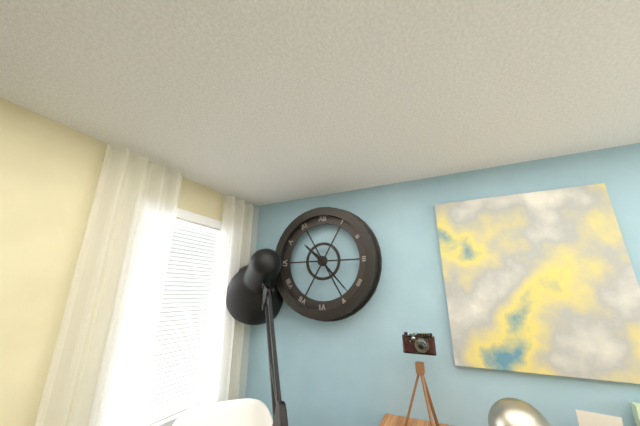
10:23
